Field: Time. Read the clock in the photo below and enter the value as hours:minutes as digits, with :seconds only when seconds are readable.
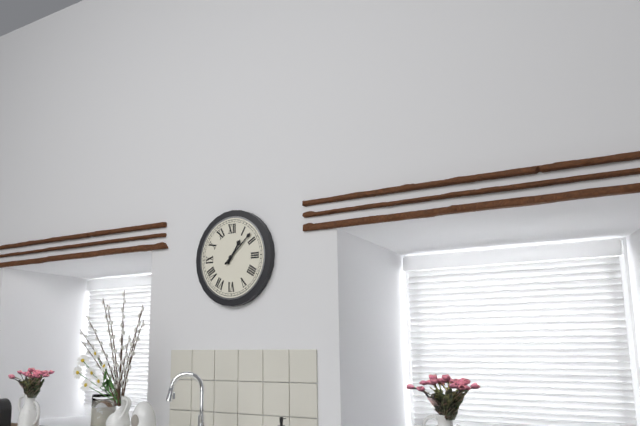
1:08
